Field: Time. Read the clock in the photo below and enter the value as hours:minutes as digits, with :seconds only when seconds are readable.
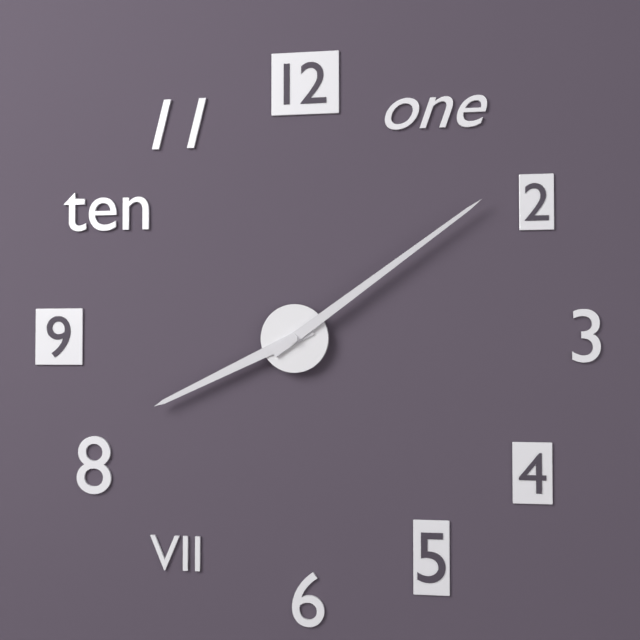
8:09
